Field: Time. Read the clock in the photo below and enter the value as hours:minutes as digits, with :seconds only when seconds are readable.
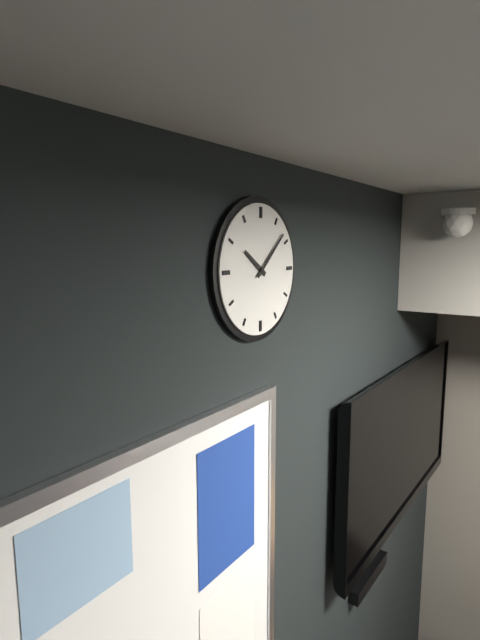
10:08
